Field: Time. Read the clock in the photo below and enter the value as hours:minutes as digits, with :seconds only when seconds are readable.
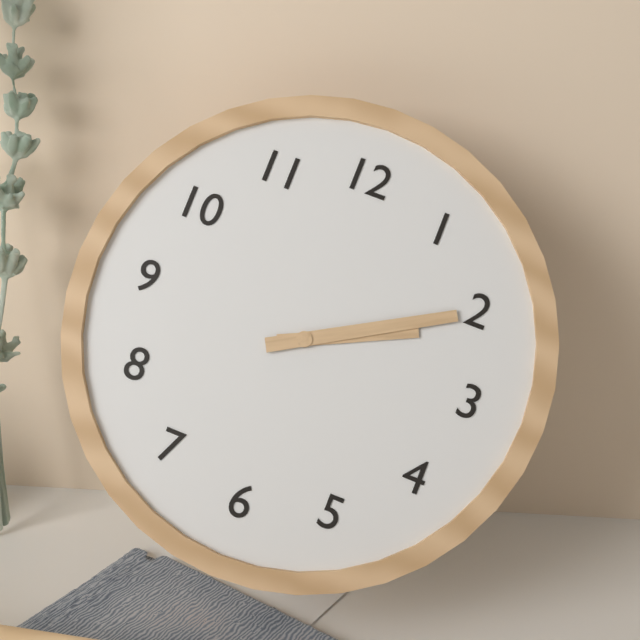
2:10
